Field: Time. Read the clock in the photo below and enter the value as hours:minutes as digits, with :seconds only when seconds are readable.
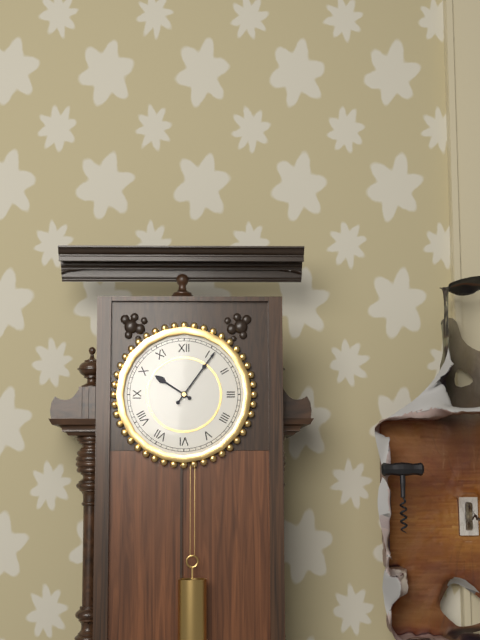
10:06
